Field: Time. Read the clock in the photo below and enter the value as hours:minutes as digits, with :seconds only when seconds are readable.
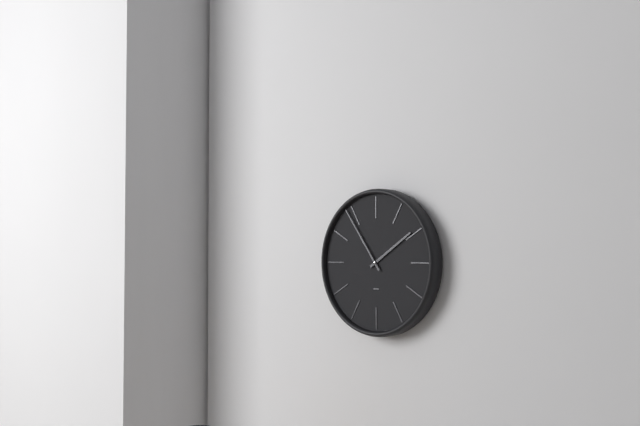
1:54
